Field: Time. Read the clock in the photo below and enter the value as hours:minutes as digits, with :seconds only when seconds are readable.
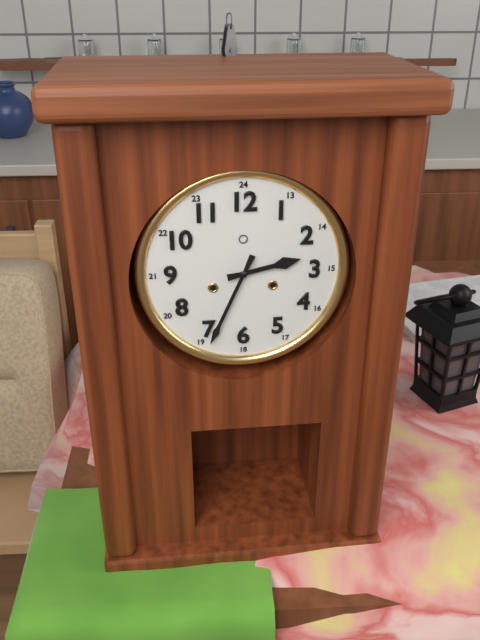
2:34
